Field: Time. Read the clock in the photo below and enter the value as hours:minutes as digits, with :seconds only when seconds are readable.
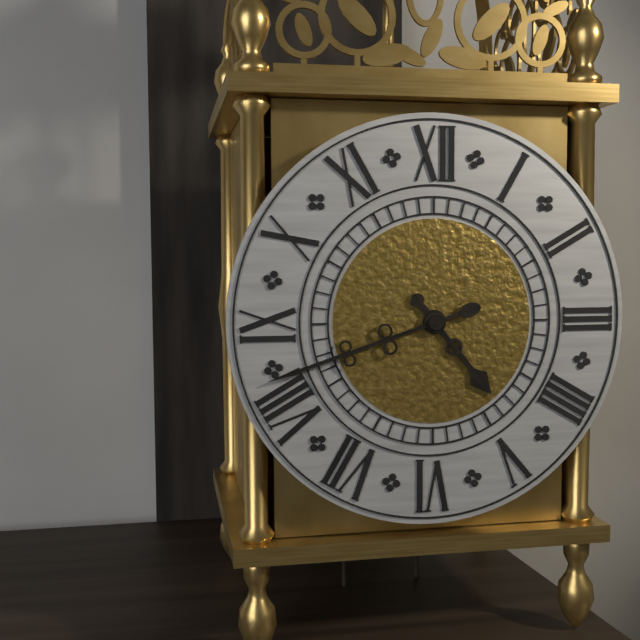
4:42
